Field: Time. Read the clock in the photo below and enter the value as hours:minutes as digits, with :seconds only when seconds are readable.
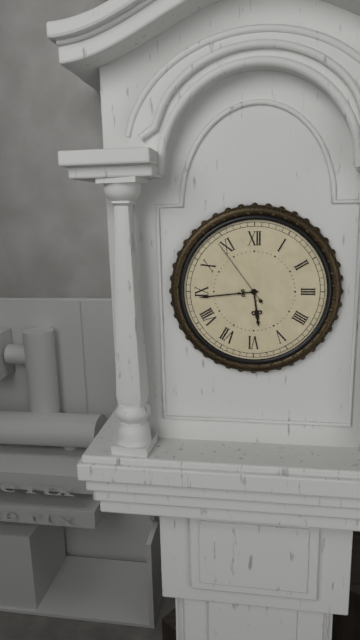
5:44:54
